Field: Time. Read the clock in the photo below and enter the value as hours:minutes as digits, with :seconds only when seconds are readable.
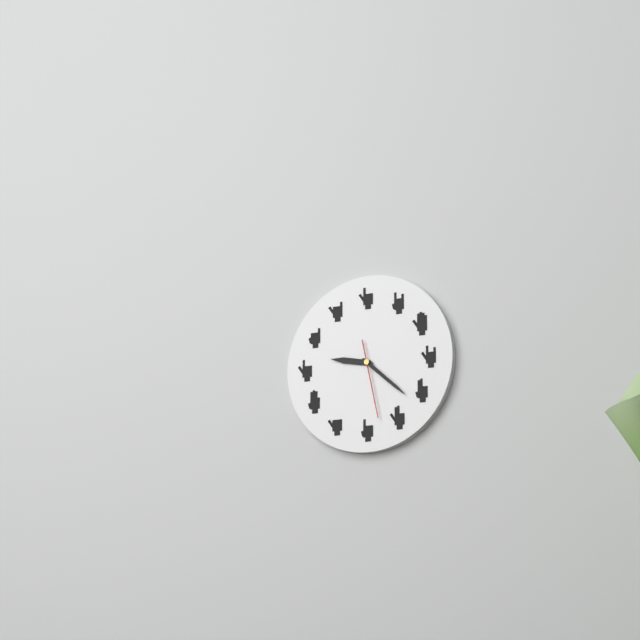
9:22:28
